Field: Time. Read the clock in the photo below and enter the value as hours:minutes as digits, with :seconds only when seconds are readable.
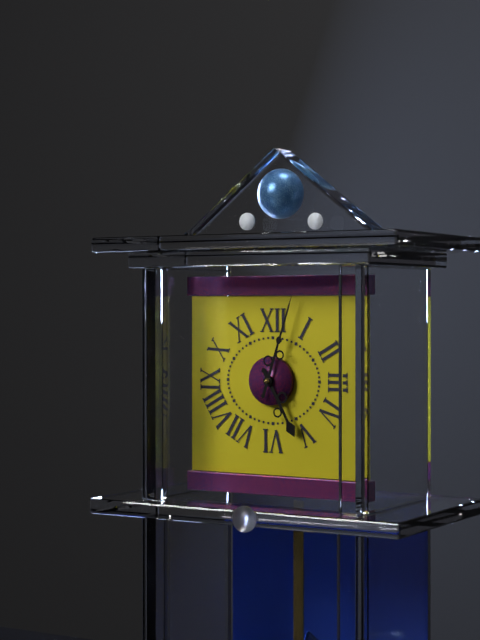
5:03
